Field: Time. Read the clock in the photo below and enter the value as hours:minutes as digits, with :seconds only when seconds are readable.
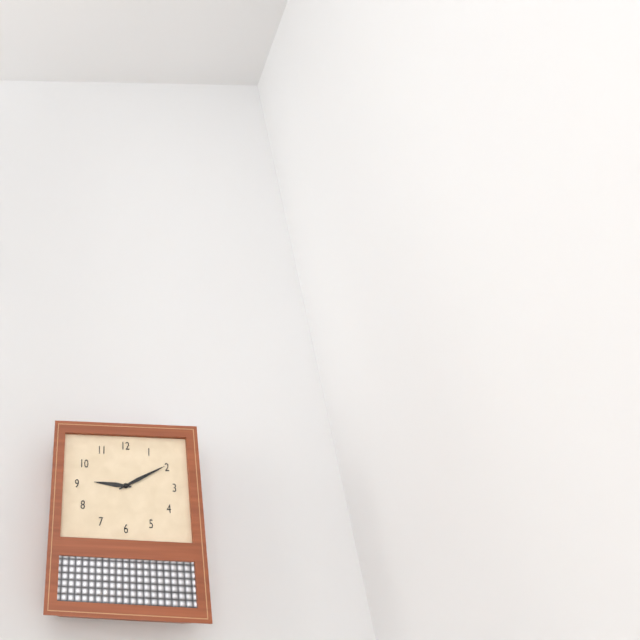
9:10
